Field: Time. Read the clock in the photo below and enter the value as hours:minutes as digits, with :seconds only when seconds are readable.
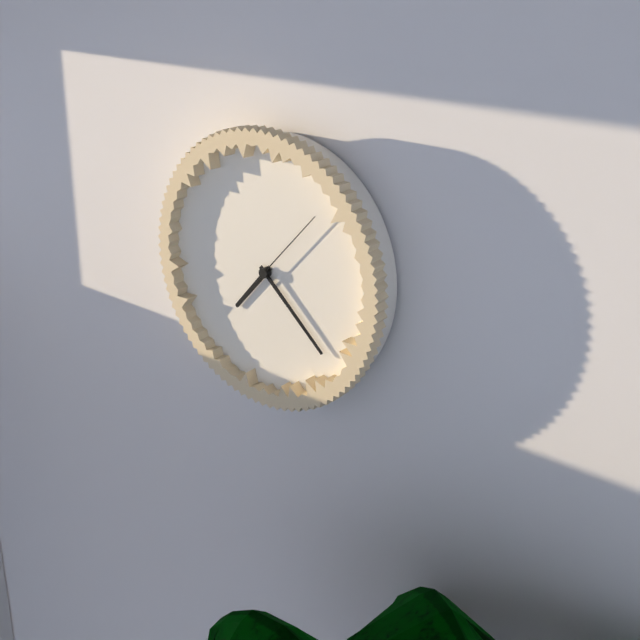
7:22:07
